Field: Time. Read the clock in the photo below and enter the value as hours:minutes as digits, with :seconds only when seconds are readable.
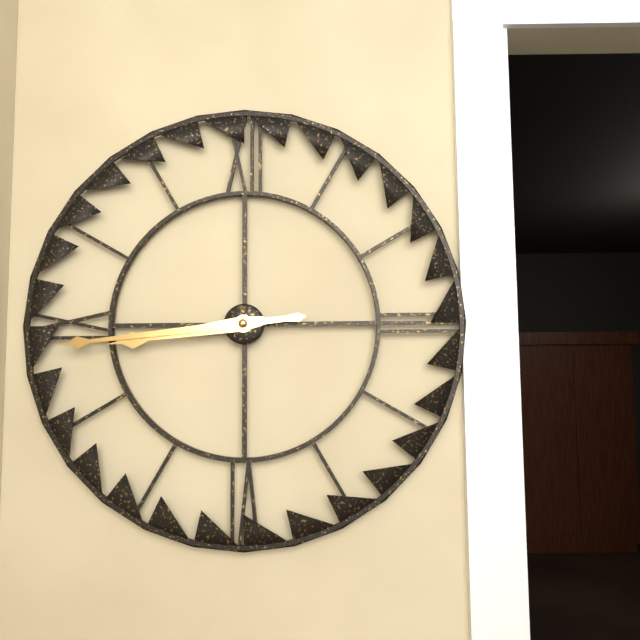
8:44
